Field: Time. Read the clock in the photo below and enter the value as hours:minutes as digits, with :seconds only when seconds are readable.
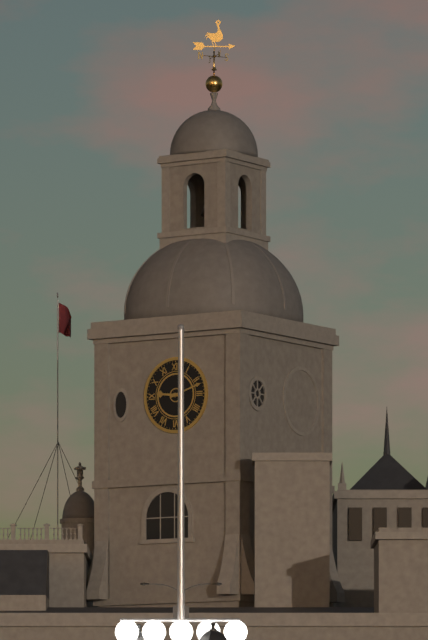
9:12
